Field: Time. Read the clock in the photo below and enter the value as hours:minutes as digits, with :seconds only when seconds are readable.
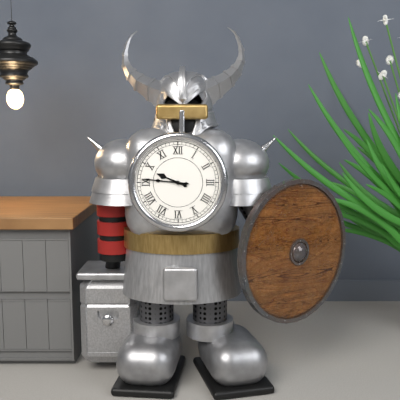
9:46
